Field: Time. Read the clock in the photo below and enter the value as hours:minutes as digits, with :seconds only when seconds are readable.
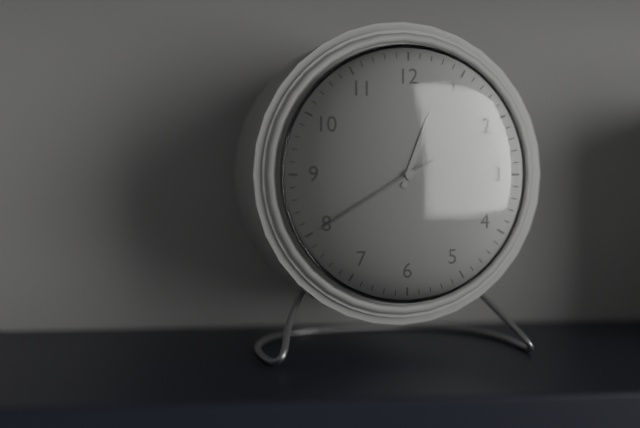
12:40:40
